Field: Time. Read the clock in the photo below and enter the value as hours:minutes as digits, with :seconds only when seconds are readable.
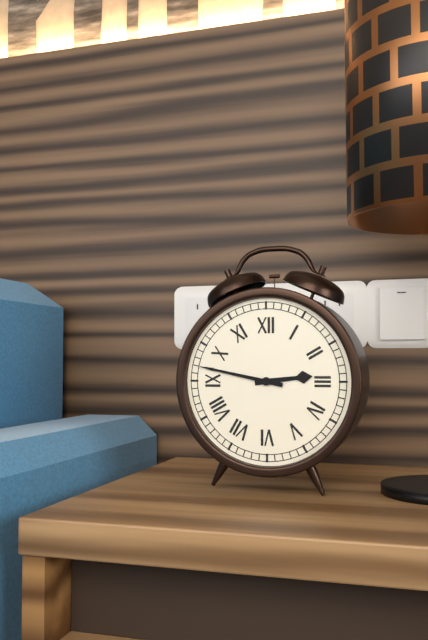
2:47
